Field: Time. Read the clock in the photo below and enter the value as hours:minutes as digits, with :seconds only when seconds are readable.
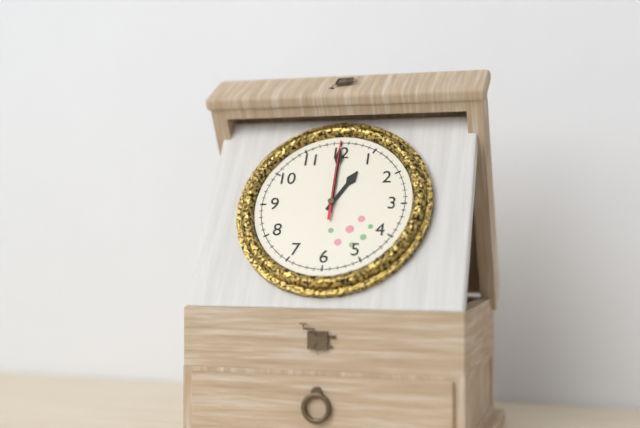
1:00:00
